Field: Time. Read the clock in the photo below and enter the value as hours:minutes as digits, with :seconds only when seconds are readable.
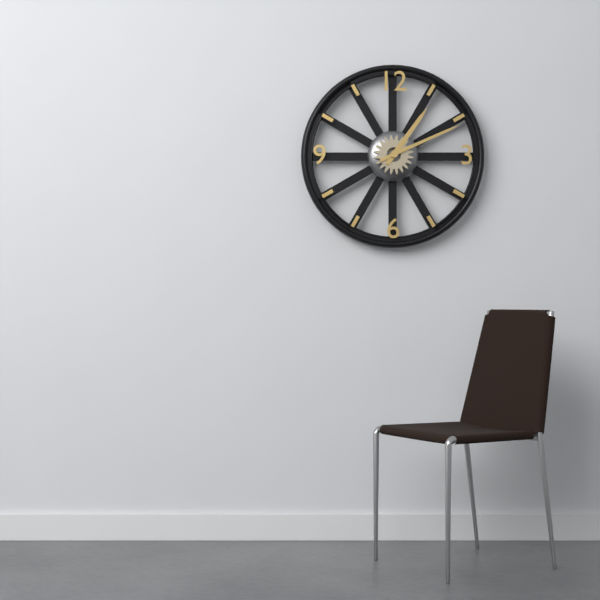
1:11
